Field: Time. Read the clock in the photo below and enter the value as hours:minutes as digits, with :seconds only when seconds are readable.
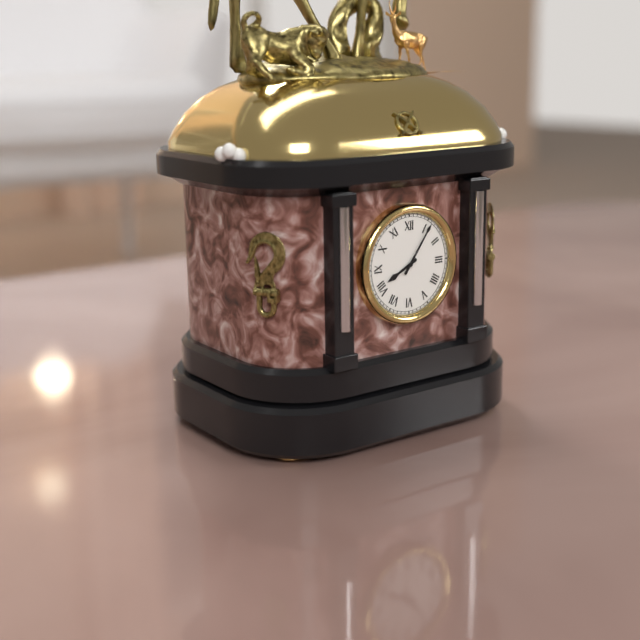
8:06
